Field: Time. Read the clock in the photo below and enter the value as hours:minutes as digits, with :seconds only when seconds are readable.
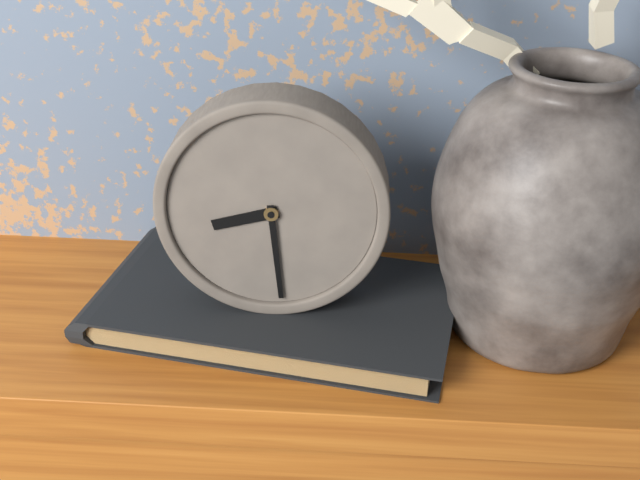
8:29
